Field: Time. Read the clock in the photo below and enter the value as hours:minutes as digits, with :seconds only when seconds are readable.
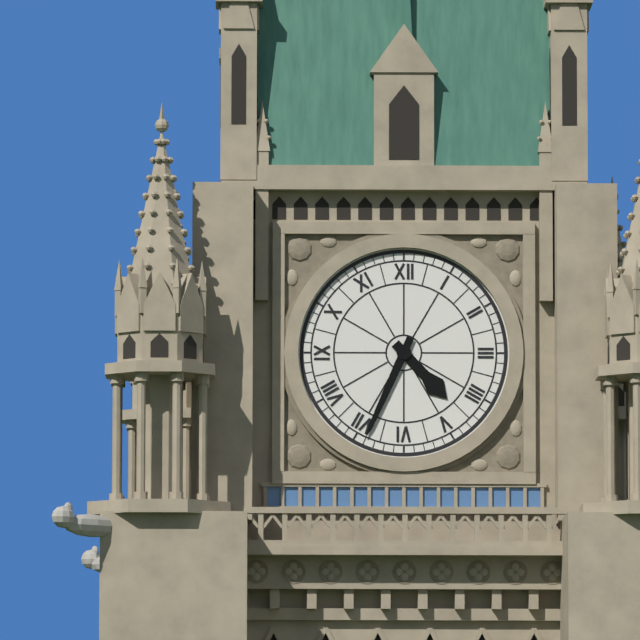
4:34
